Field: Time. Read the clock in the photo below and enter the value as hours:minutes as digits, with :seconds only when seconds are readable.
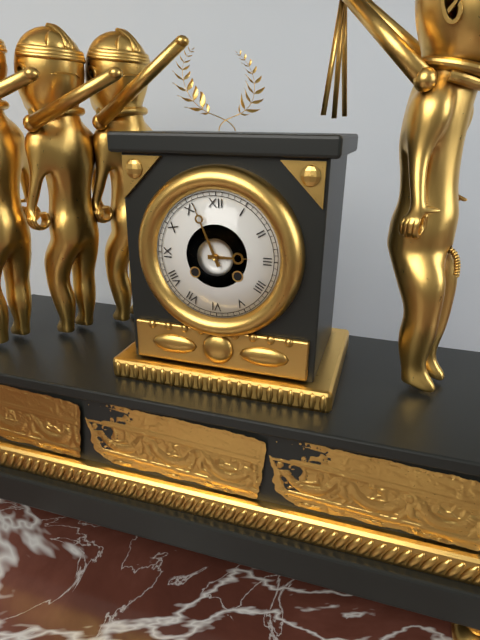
2:56
